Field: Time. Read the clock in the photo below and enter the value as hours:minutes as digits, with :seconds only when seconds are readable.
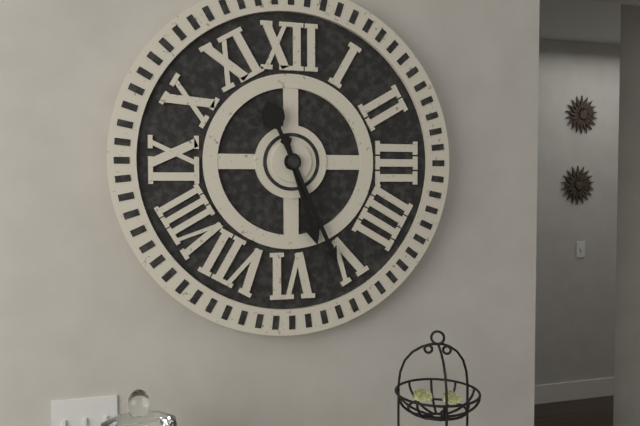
5:26
